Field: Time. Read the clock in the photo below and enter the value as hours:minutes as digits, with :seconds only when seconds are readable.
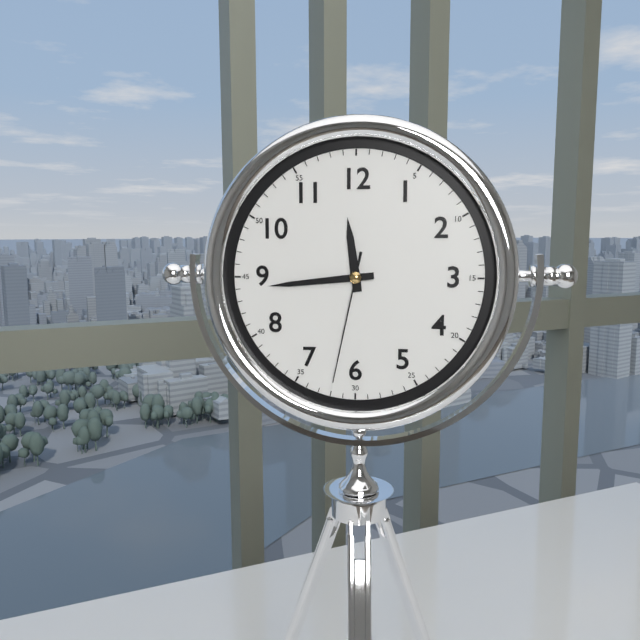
11:44:32
